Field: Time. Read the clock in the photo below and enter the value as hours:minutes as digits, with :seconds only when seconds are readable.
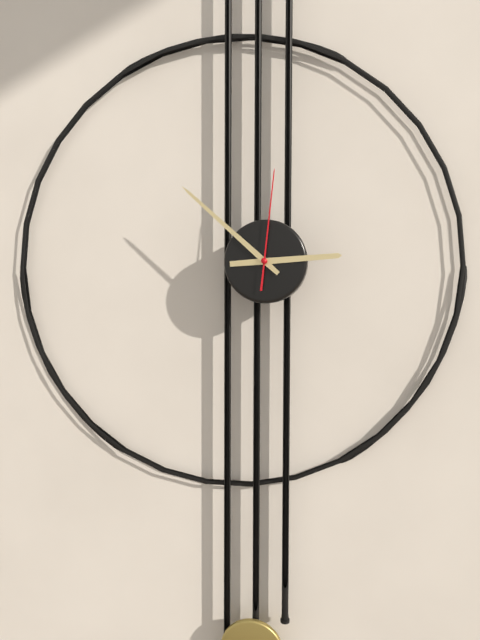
2:52:01
